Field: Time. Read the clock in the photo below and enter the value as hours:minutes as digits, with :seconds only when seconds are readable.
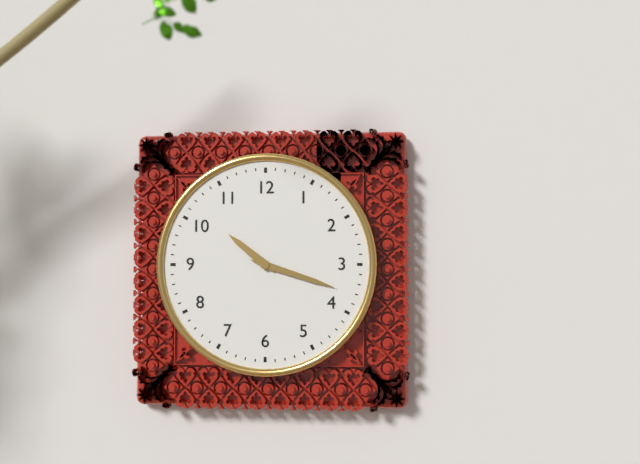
10:18
